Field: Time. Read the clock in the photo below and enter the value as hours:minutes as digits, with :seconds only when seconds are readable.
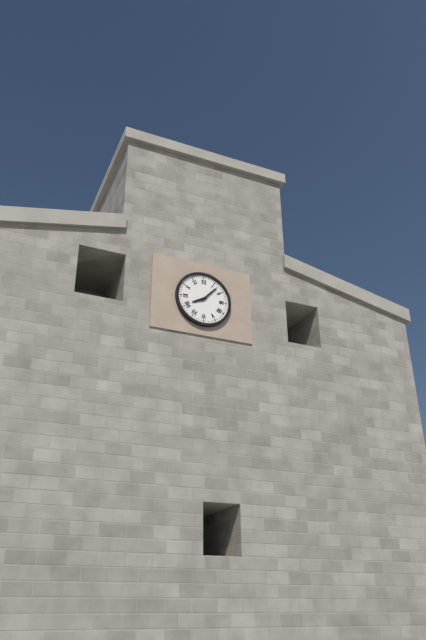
8:07
